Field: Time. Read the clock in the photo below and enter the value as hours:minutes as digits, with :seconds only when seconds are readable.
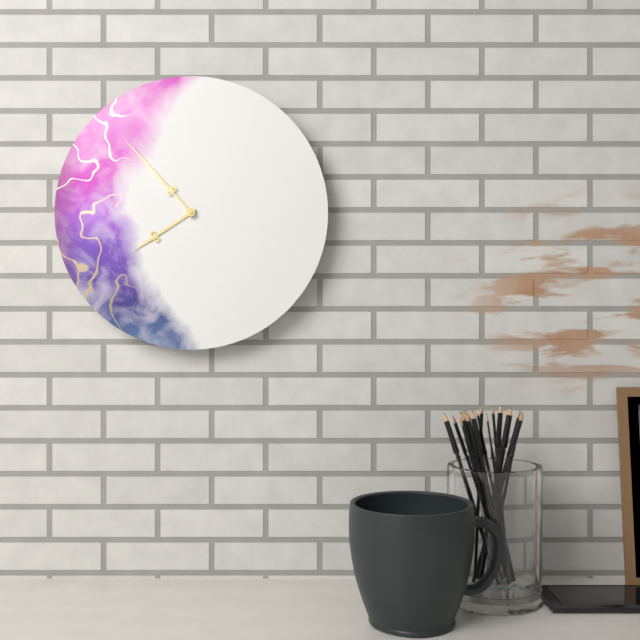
7:53
